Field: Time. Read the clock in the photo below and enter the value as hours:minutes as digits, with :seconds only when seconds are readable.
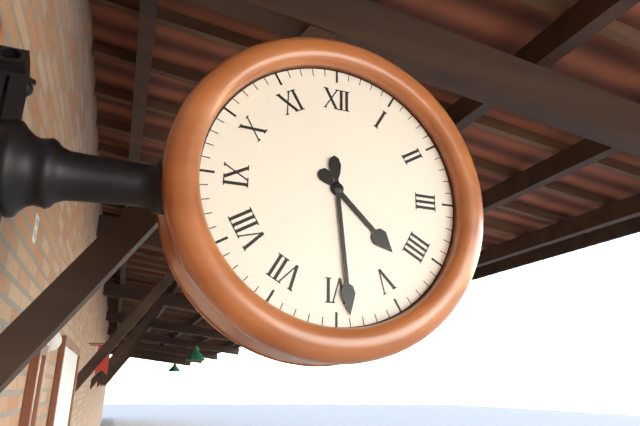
4:29
